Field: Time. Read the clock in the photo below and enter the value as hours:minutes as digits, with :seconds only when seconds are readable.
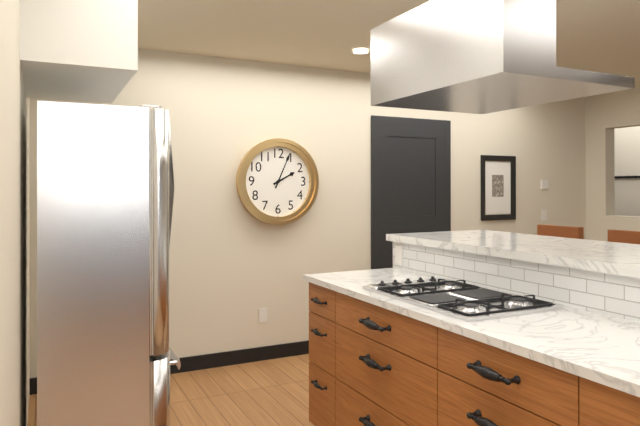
2:04
